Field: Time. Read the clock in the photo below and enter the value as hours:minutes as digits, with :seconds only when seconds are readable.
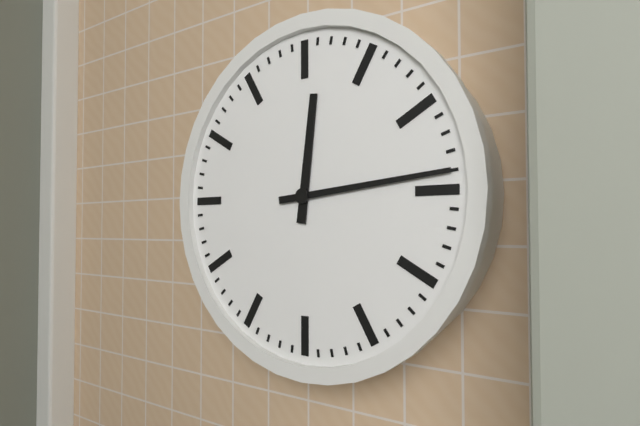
12:14
